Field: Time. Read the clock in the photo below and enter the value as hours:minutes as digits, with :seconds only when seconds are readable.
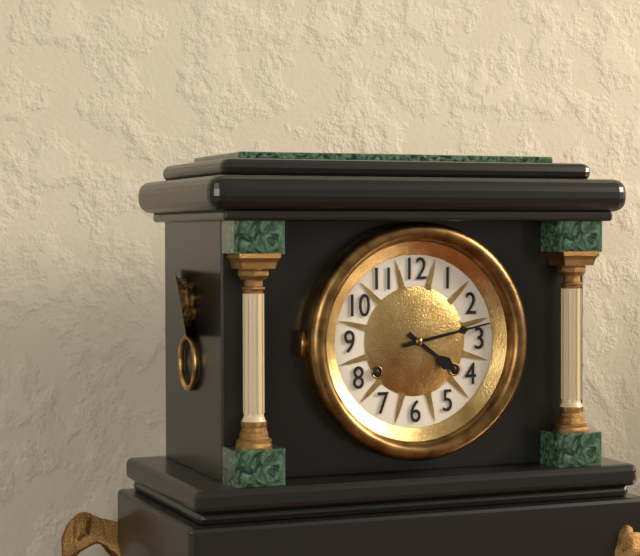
4:13
